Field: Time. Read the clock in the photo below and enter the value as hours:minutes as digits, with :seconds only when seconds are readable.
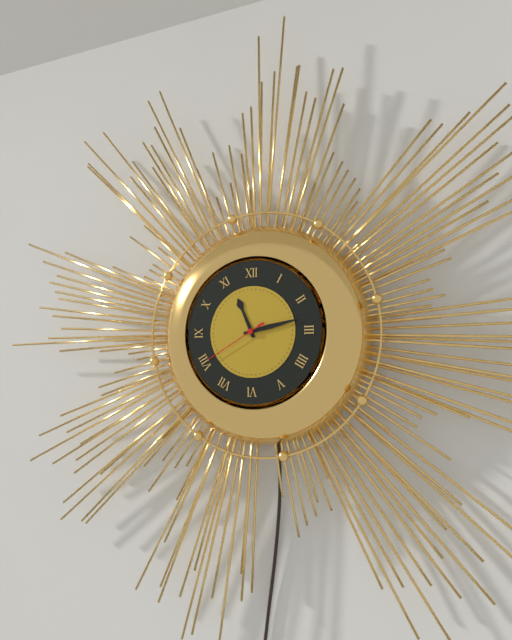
11:13:40
